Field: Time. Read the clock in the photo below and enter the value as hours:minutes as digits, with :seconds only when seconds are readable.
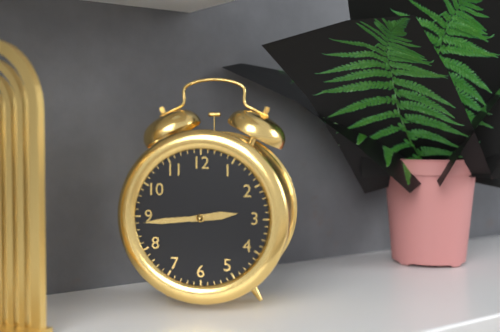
2:44
